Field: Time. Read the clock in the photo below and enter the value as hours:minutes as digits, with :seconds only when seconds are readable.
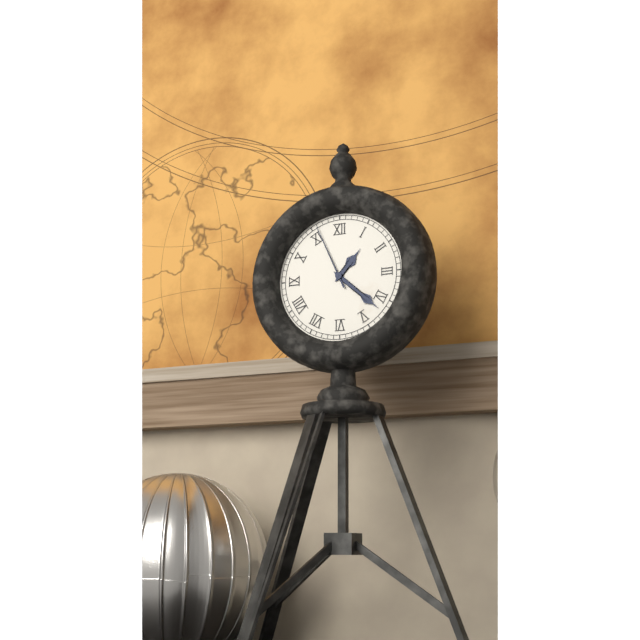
1:22:56
